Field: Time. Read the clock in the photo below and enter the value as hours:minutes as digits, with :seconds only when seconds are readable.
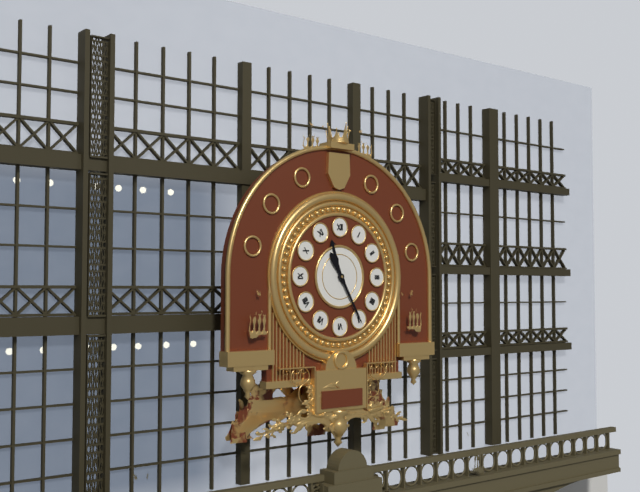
11:25
